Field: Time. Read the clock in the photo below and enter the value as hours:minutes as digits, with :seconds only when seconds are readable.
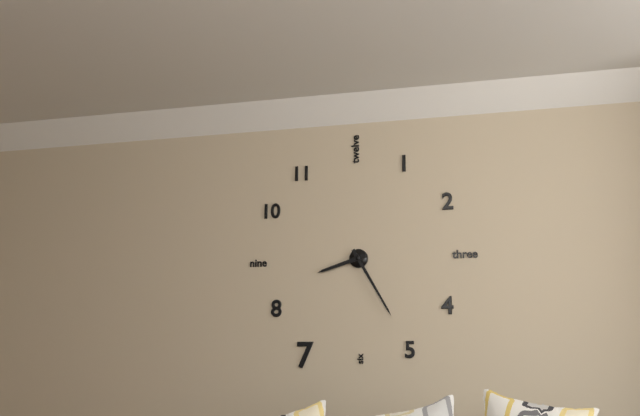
8:25
